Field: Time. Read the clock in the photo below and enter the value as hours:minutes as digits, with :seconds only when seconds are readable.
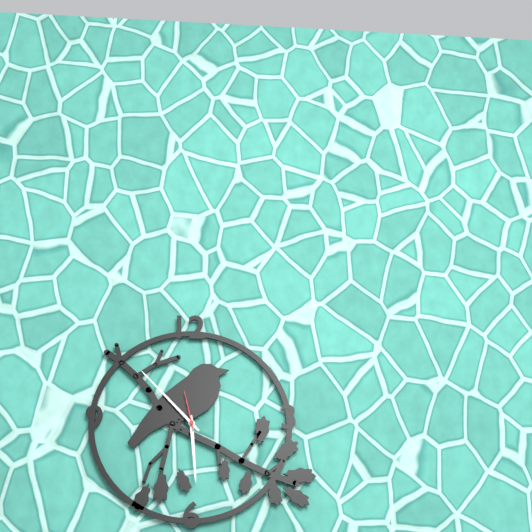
5:53
